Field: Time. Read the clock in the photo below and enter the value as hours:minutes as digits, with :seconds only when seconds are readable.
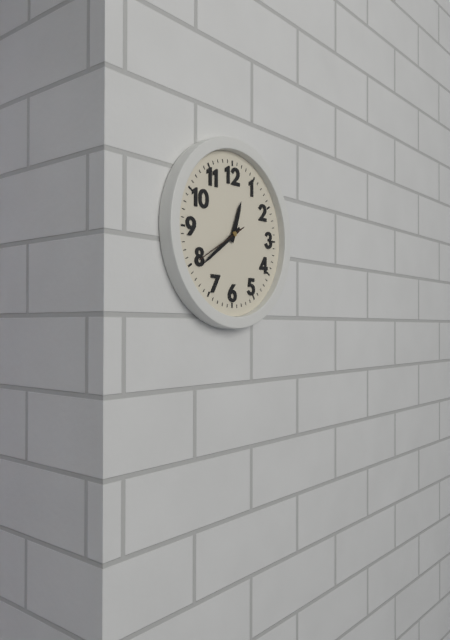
12:39:40
